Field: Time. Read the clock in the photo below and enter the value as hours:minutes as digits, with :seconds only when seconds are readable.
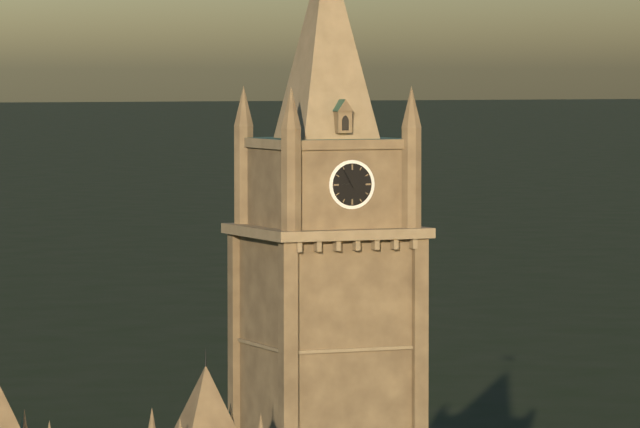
8:55
